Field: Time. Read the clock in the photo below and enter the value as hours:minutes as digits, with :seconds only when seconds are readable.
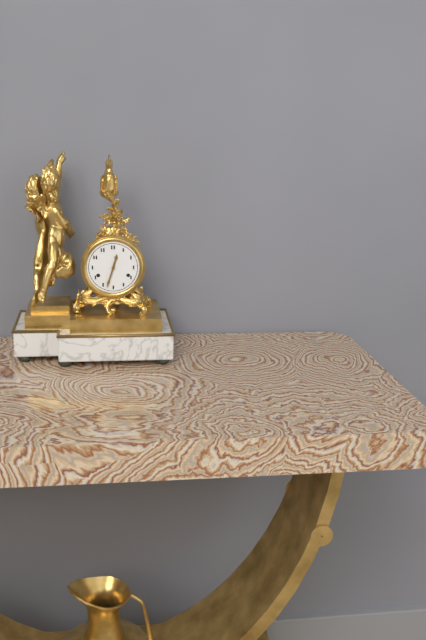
12:33
